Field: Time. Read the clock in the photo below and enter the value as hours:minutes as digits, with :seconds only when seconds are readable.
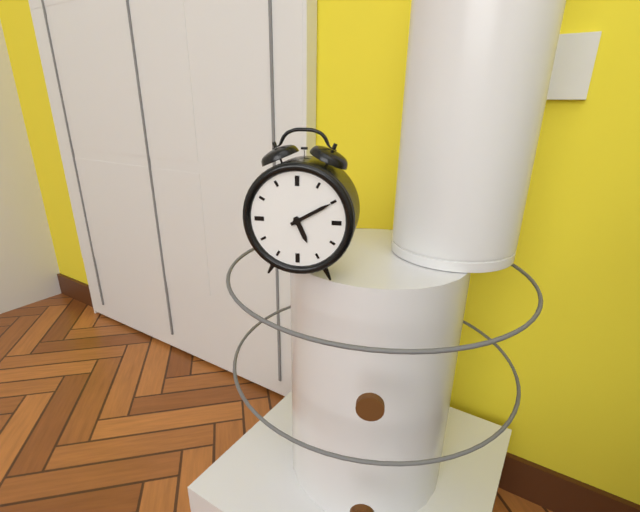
5:10
